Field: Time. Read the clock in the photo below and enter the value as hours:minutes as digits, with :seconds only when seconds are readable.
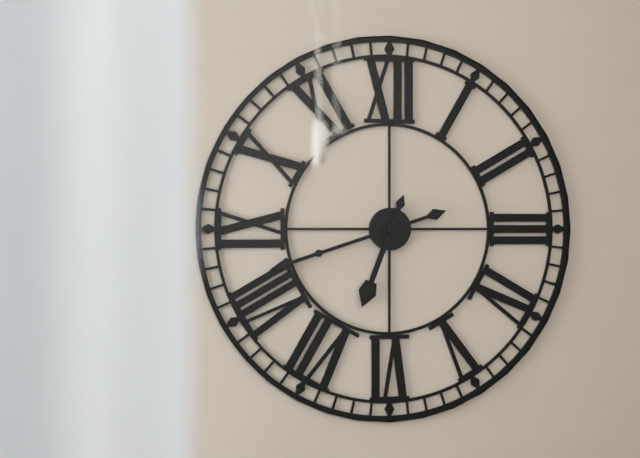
6:42
